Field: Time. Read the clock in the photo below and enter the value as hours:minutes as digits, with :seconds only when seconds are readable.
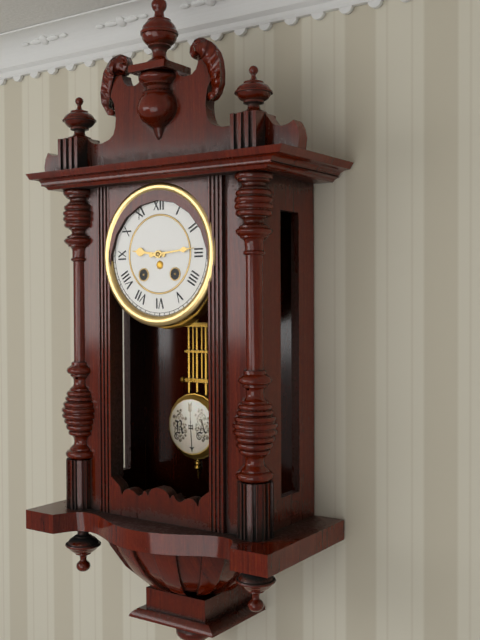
9:14
